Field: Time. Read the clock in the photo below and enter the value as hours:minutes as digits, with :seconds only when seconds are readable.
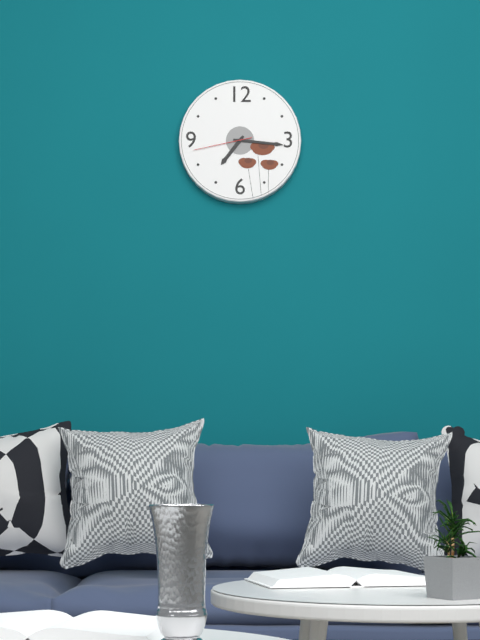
7:16:43
